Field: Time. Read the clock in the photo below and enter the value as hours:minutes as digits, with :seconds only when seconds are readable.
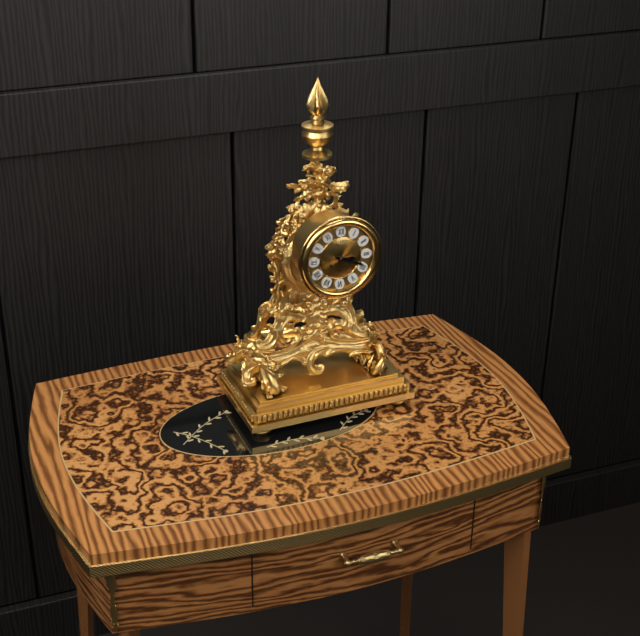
3:19
